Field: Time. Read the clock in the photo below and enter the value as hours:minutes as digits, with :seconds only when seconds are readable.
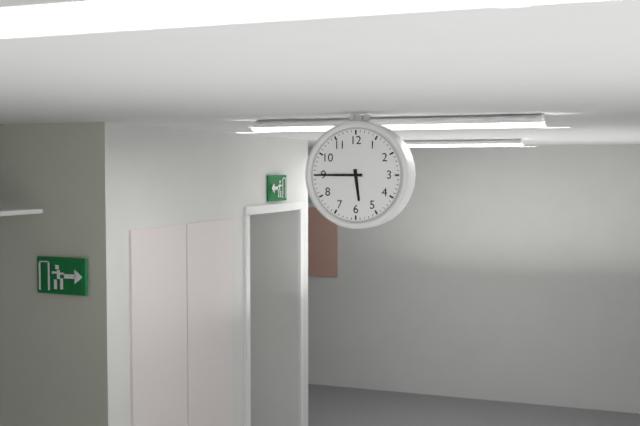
5:45
